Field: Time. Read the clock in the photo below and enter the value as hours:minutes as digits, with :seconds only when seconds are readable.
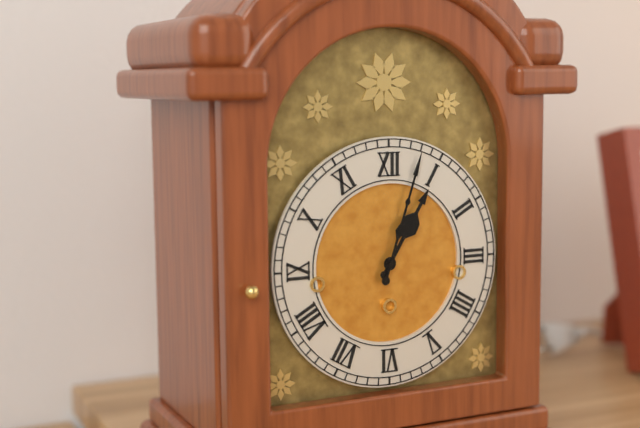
1:03
